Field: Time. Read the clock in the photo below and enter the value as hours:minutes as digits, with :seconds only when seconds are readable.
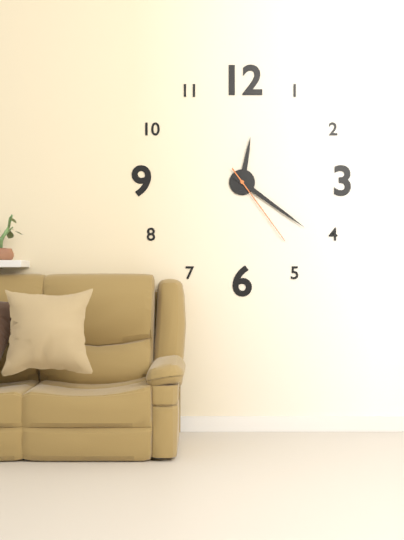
12:21:24
